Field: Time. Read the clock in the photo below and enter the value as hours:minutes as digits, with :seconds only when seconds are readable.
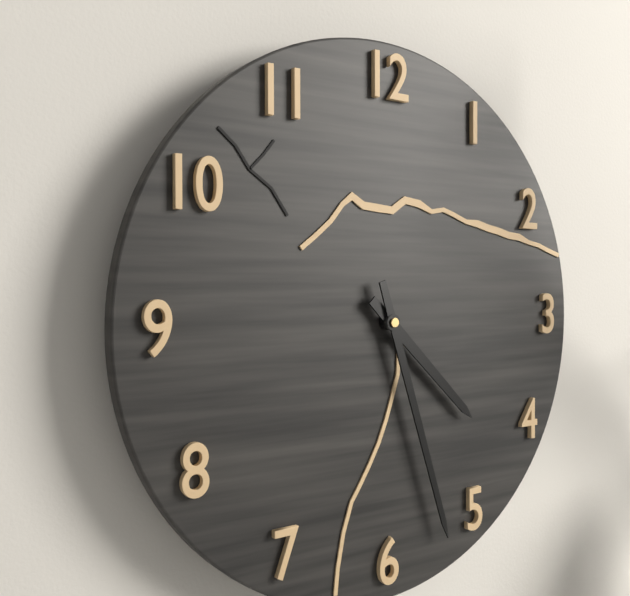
4:27
